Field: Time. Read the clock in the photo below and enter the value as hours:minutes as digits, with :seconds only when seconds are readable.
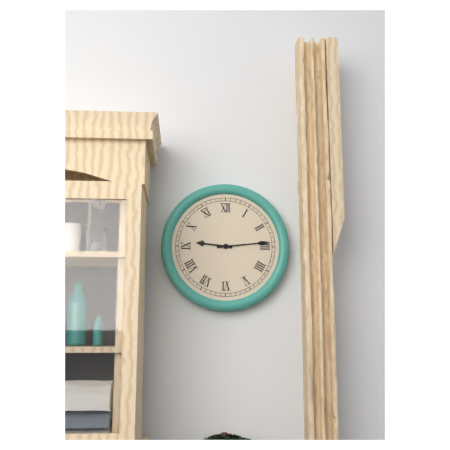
9:14
